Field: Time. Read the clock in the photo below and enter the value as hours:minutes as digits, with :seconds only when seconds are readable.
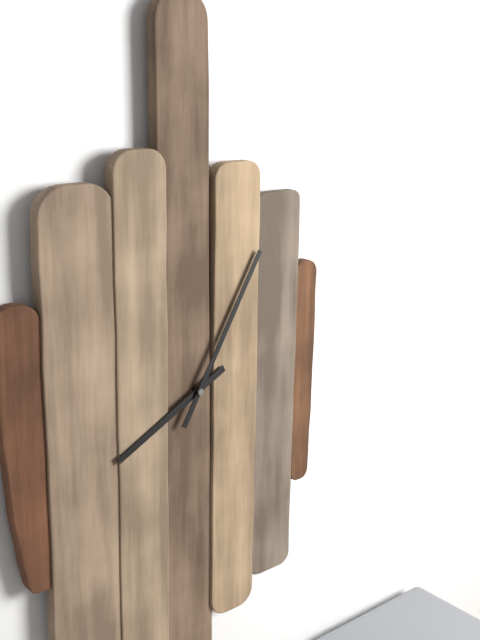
8:05
